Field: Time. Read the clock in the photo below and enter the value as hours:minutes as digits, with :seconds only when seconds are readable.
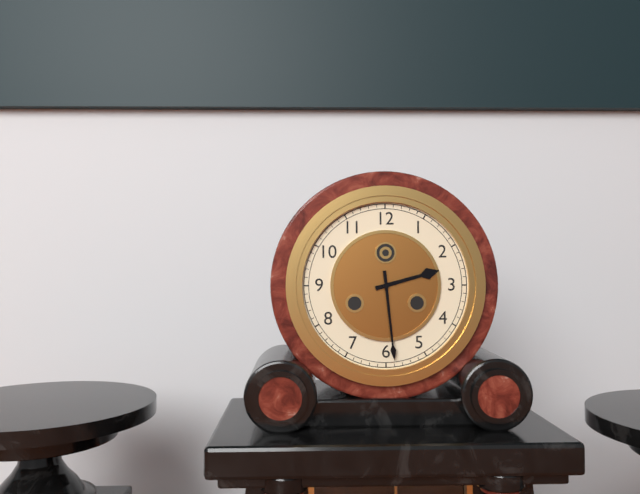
2:29
